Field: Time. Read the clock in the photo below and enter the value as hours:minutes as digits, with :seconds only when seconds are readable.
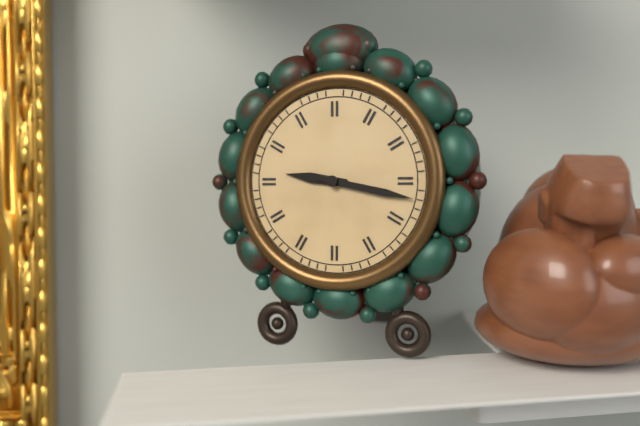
9:17
